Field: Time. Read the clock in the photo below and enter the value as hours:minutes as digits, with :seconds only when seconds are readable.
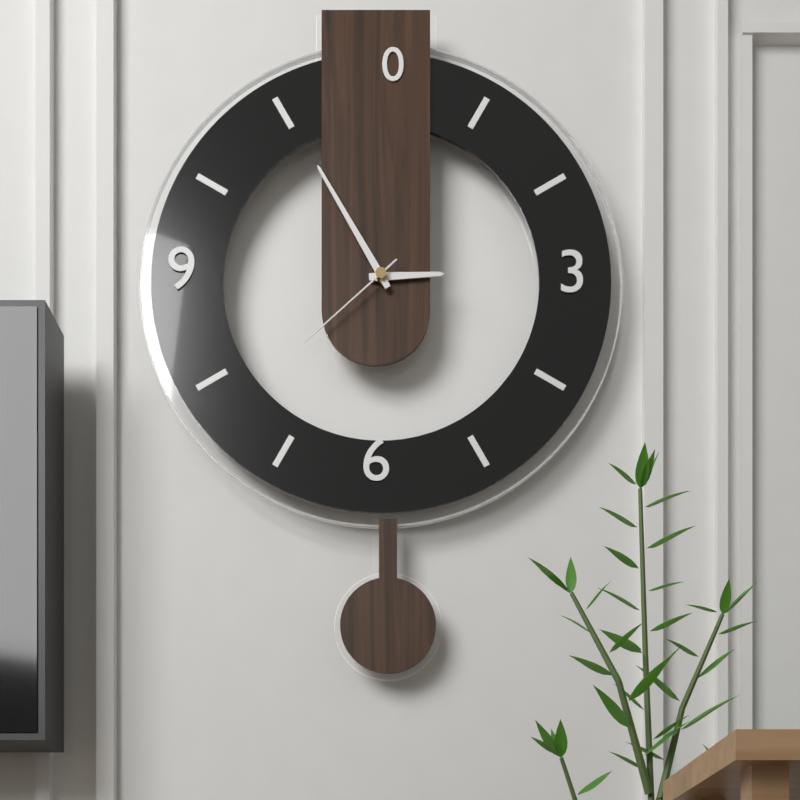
2:55:38
